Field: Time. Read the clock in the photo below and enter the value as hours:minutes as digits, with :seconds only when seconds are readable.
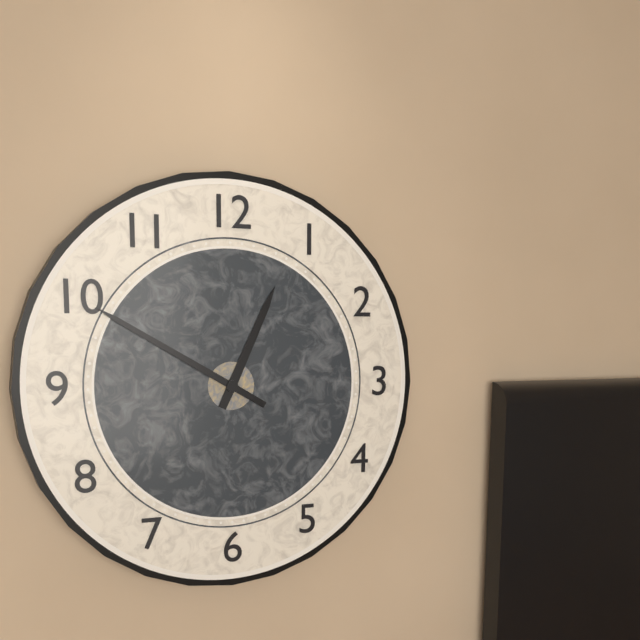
12:50
